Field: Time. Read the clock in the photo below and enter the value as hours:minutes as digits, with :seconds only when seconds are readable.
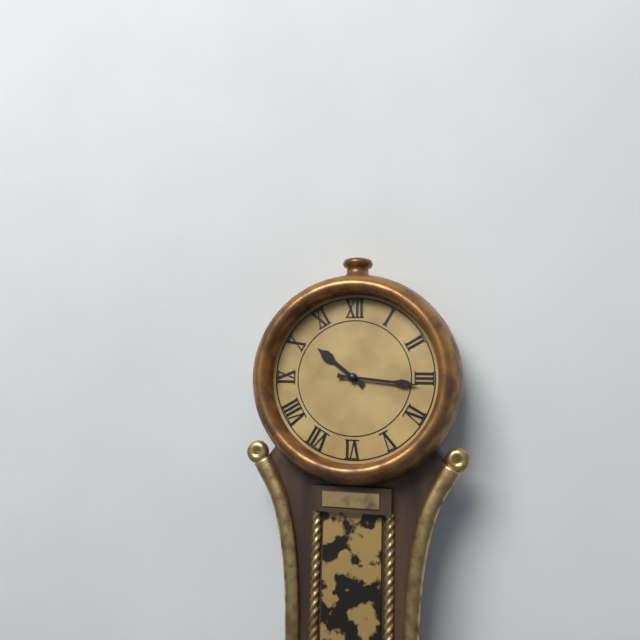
10:16
